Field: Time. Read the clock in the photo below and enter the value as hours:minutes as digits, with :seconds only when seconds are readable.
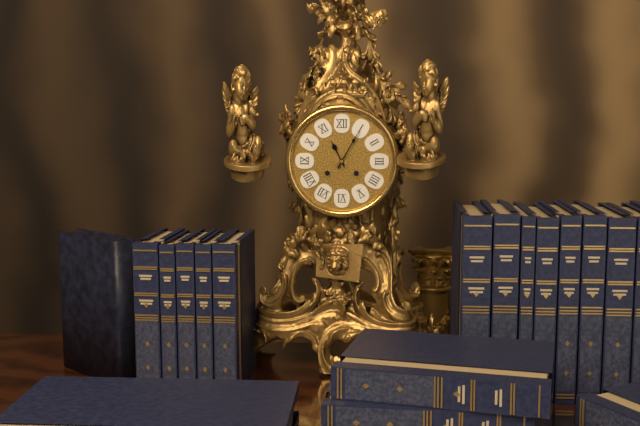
11:05
